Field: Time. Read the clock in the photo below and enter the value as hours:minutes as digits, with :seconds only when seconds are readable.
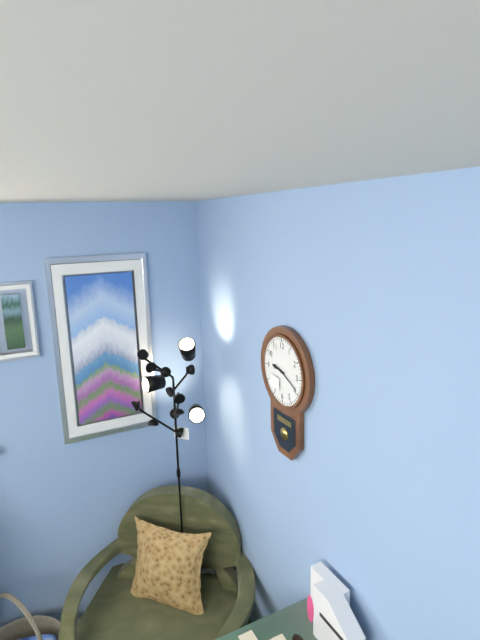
9:19
